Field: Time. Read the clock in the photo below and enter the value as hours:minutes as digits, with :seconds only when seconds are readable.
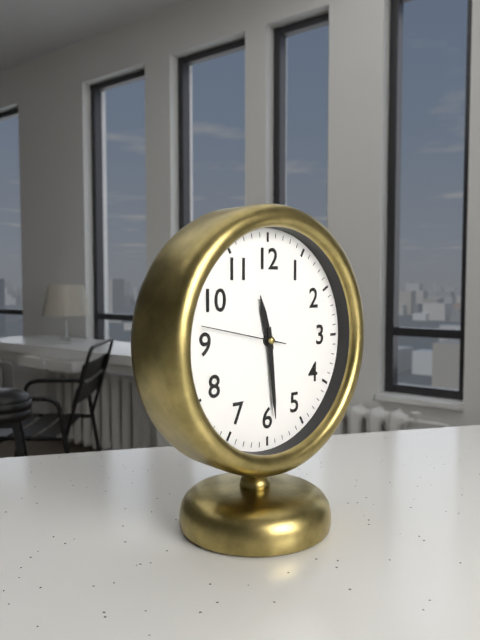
11:29:47
